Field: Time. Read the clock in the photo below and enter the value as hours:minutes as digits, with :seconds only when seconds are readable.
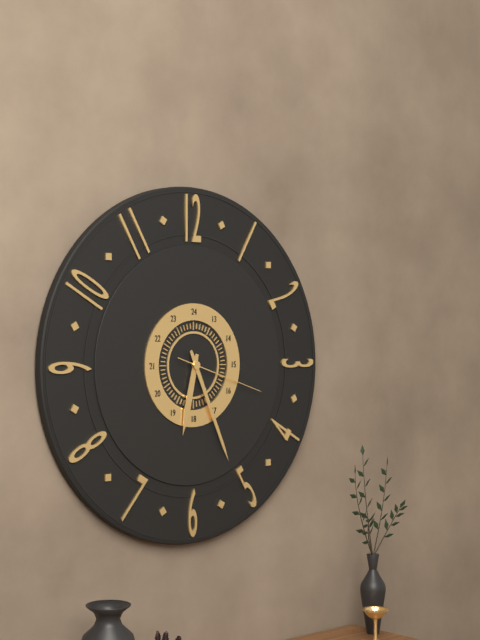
6:26:18
